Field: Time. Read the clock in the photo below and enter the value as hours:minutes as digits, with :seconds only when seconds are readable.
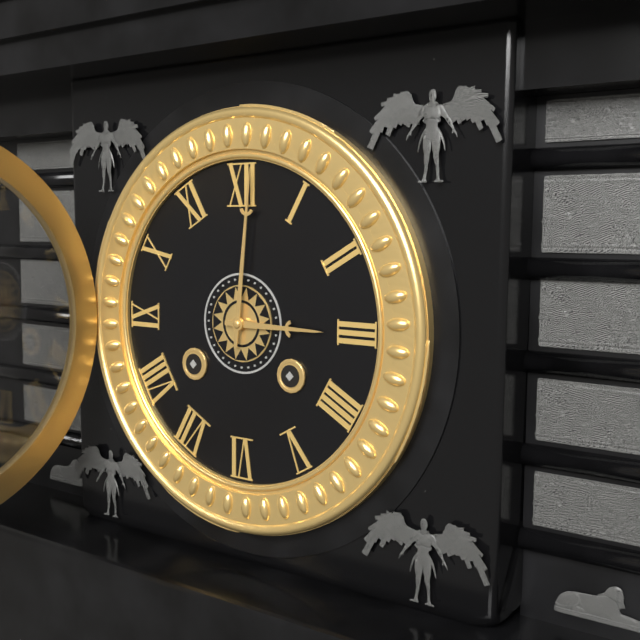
3:01
